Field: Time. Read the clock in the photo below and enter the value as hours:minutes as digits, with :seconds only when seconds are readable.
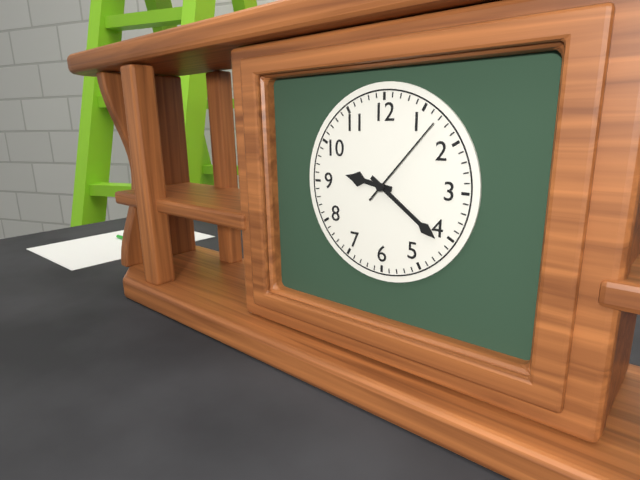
9:21:07
